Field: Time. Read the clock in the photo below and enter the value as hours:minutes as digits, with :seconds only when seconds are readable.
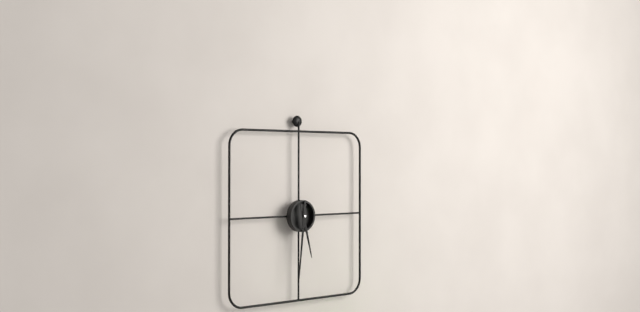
5:31
